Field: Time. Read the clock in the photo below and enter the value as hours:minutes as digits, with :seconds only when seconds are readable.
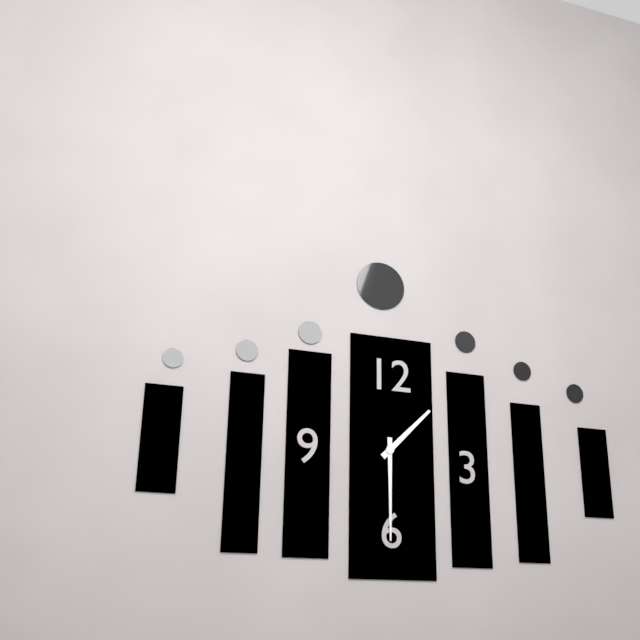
1:30
